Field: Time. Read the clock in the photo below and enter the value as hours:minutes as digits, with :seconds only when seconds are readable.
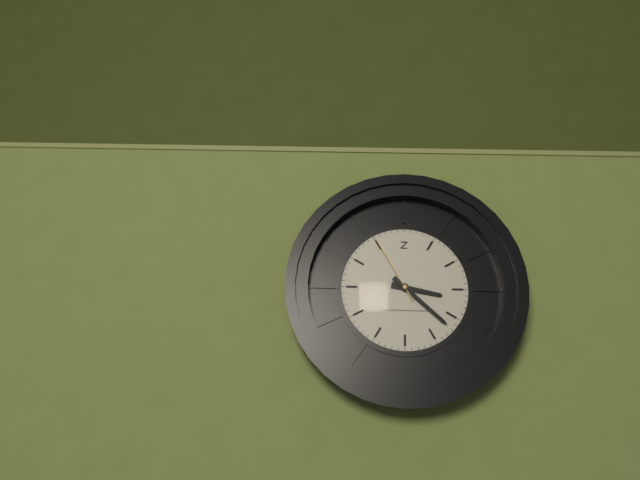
3:22:55
